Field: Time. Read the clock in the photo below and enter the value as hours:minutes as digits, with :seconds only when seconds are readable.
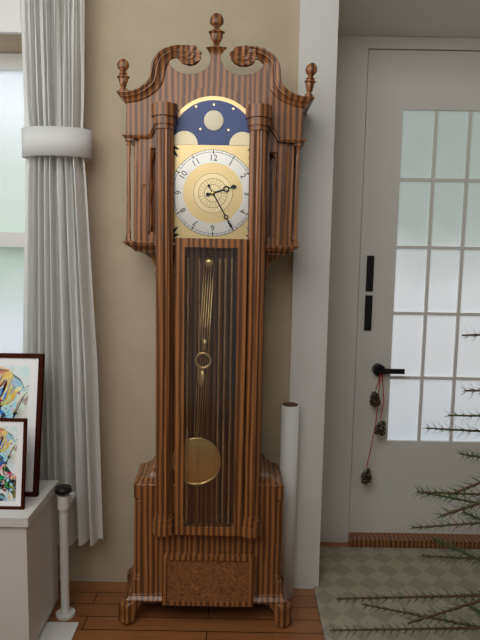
2:25
